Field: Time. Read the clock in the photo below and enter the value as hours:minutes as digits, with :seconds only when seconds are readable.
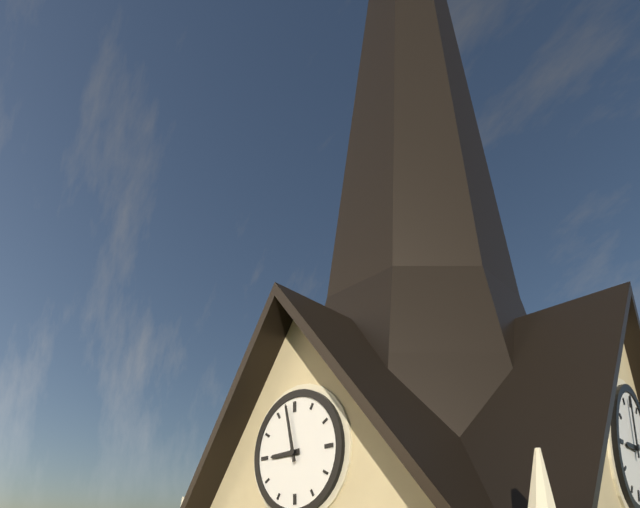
8:58
